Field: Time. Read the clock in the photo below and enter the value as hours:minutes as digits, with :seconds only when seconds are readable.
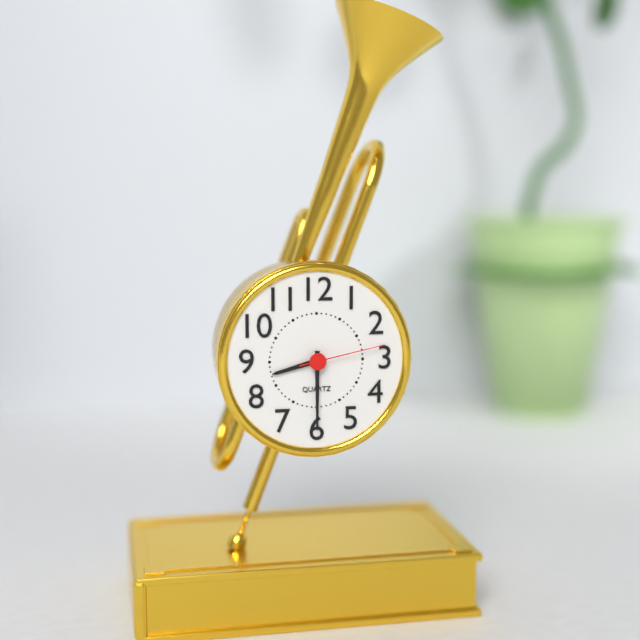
8:30:13
